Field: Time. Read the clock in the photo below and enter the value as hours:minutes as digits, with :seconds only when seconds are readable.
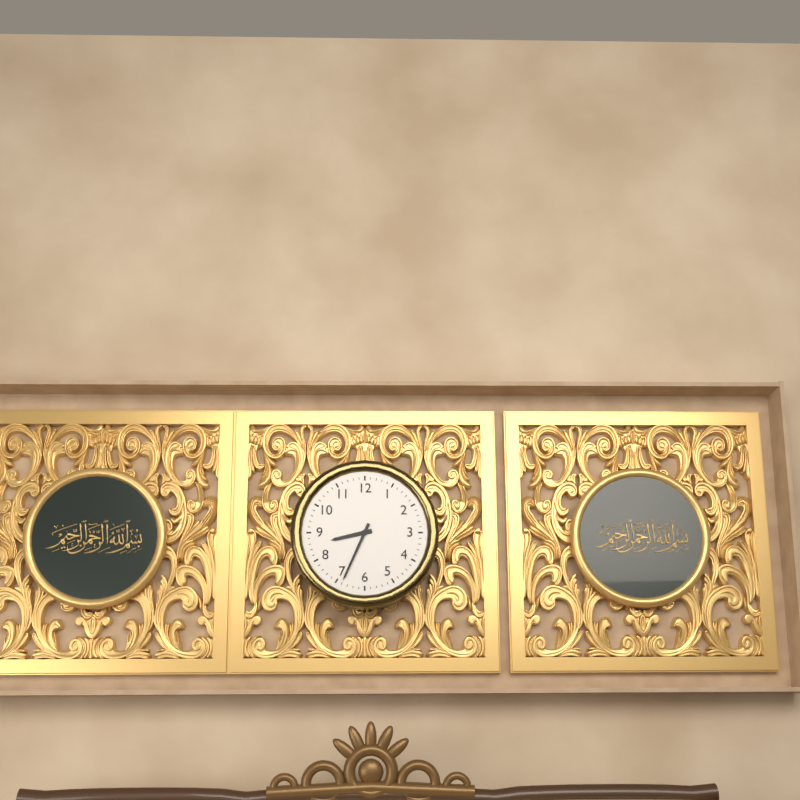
8:34
